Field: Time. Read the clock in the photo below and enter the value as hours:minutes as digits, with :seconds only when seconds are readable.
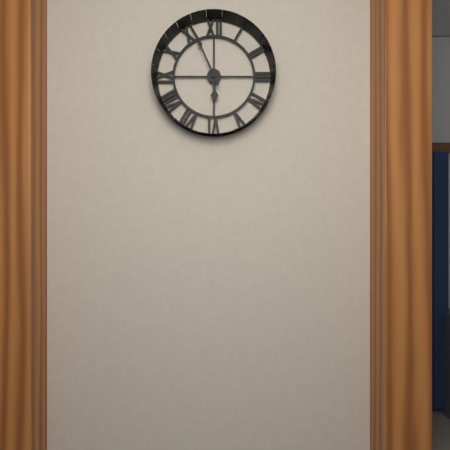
5:56
